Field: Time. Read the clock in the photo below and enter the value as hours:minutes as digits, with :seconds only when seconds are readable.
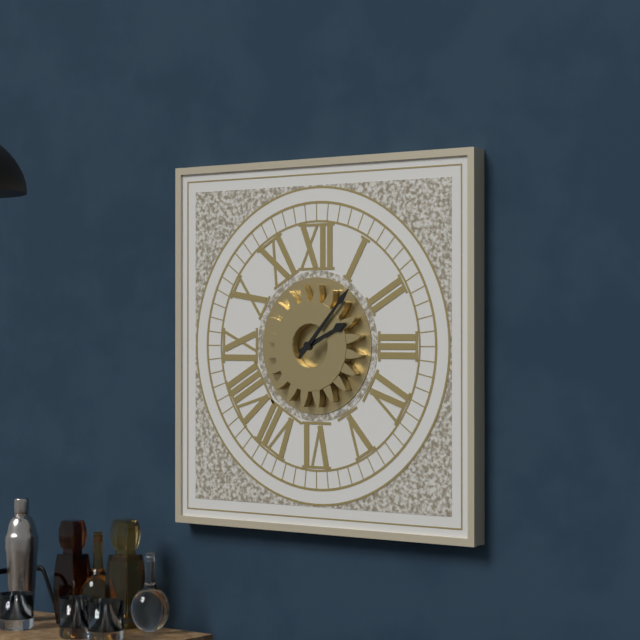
2:07
